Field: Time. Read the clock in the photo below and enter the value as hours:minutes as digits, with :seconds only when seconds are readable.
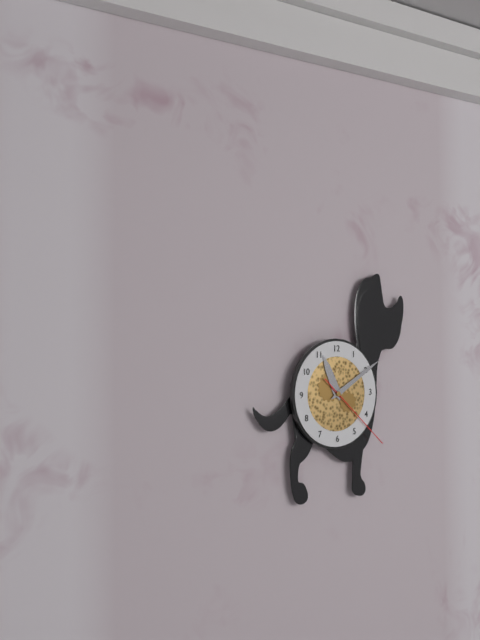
11:10:22
